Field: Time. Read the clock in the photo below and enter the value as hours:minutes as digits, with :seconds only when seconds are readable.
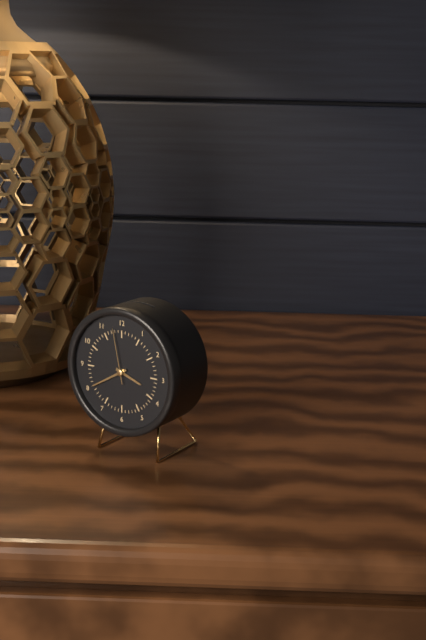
3:40:58
